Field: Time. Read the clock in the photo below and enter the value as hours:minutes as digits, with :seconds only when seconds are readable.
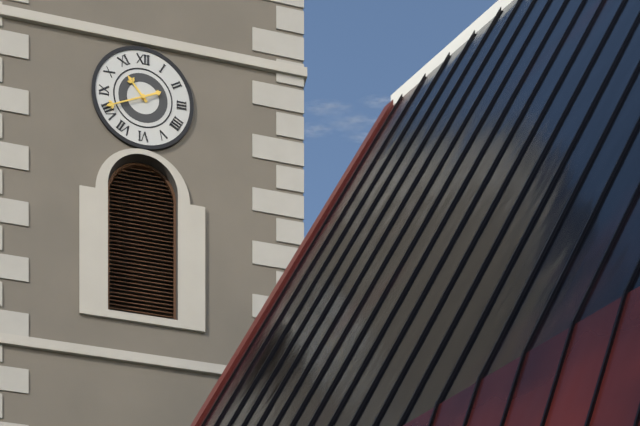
10:41
